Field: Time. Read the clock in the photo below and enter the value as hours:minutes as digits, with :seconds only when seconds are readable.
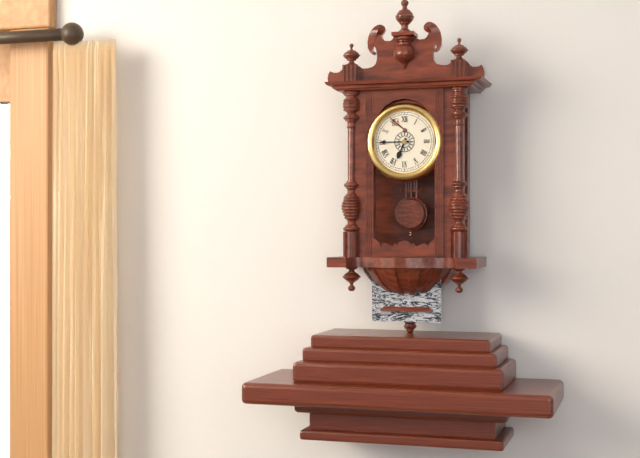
6:45
